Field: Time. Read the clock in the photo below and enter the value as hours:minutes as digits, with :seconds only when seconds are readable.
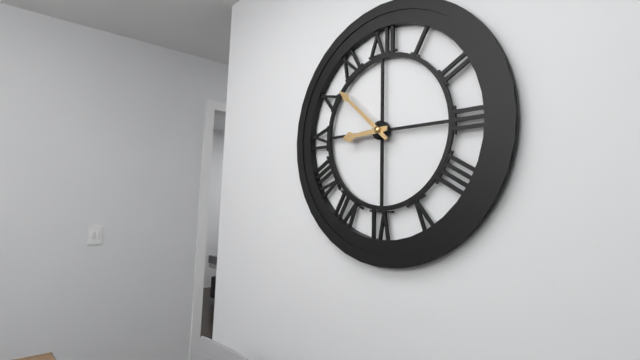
8:52
